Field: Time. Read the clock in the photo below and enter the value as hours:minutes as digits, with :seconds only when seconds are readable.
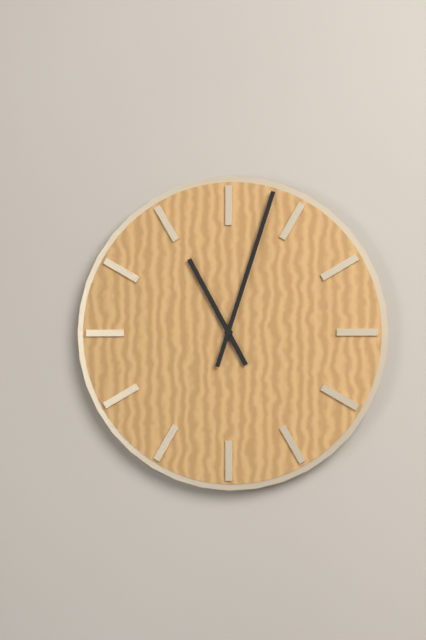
11:03
